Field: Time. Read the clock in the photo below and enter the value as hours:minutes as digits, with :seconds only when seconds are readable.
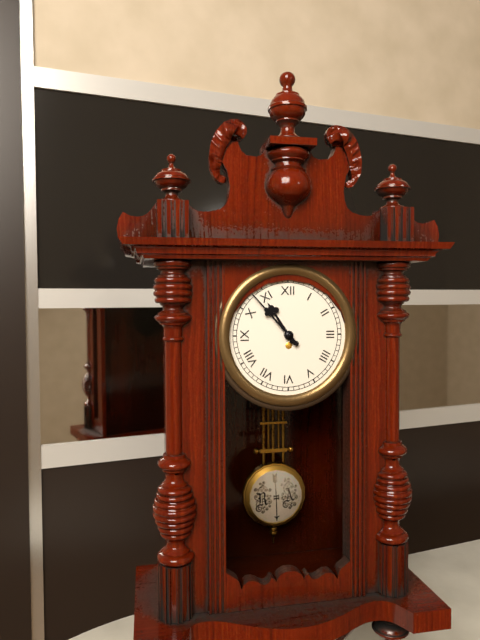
10:53
